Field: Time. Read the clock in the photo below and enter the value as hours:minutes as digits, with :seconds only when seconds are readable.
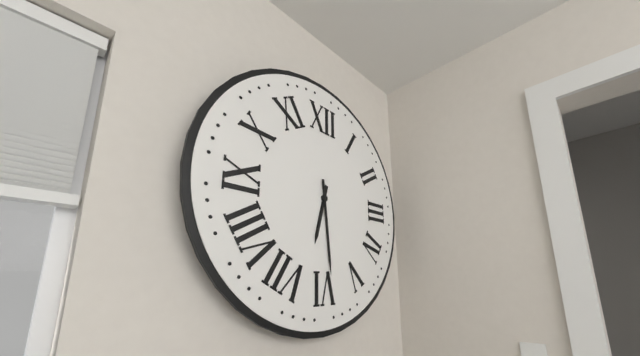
6:29
